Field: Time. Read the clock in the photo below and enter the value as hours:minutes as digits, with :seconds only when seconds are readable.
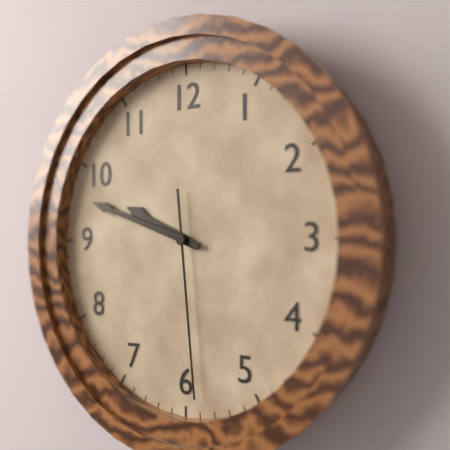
9:48:29
